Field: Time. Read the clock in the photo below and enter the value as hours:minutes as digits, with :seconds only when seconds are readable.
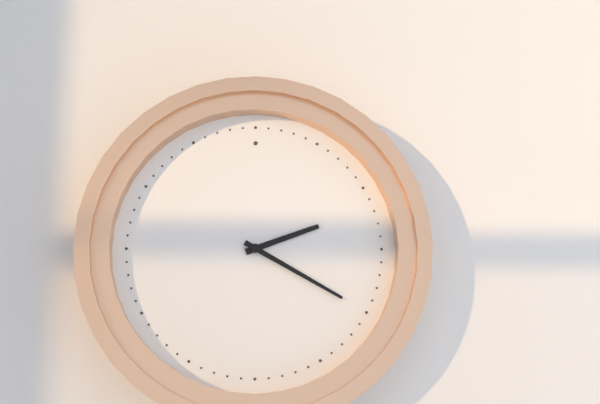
2:20
